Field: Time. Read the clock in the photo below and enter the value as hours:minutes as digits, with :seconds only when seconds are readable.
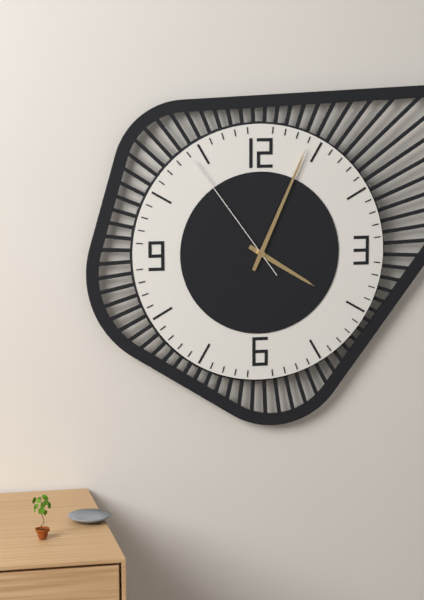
4:04:54
